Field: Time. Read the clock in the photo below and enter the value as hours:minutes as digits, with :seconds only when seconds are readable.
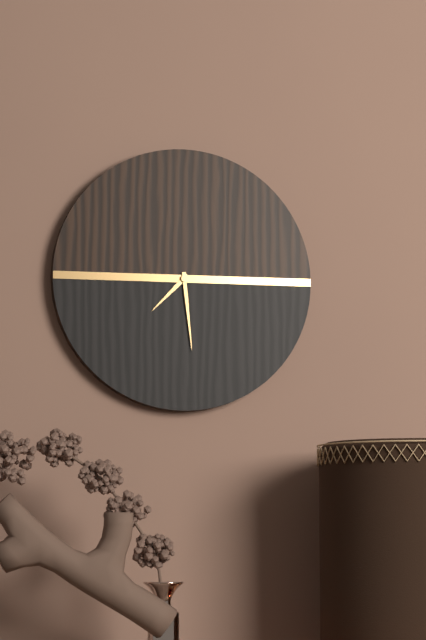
7:29
